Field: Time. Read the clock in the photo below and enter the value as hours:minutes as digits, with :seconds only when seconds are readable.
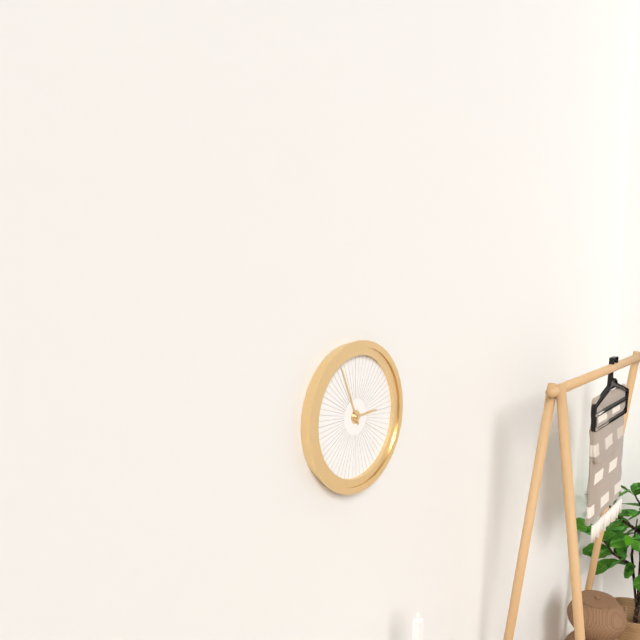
2:56
